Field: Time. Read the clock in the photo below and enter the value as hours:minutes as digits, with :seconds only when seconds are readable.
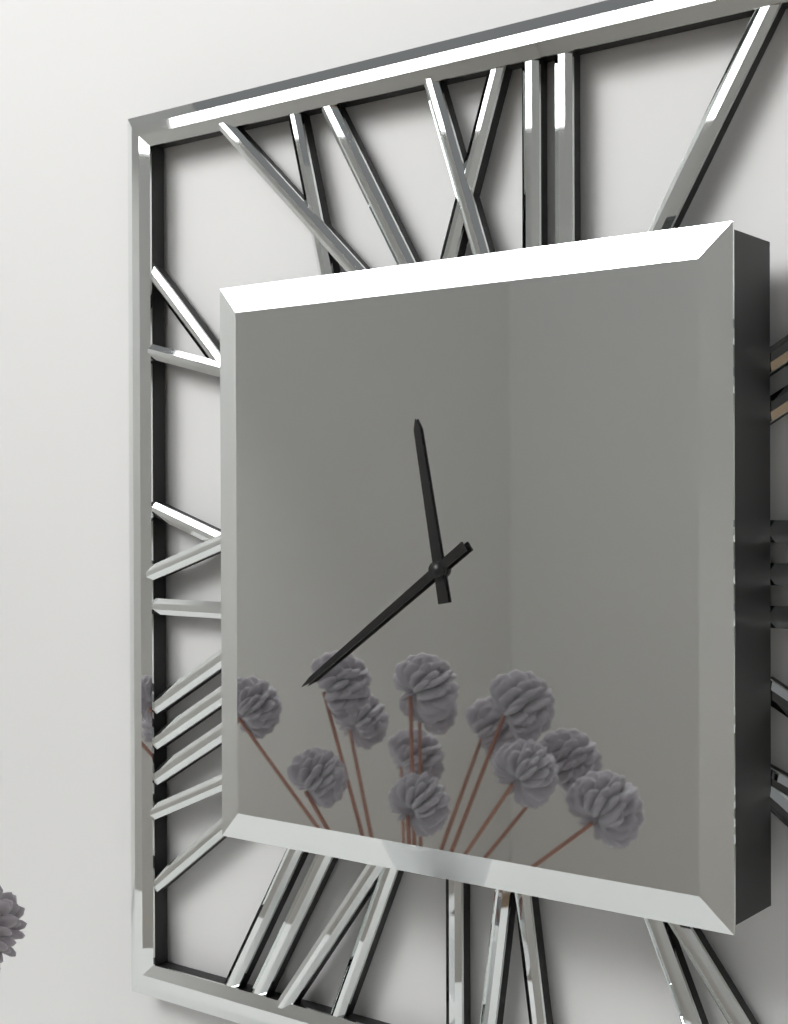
11:39
